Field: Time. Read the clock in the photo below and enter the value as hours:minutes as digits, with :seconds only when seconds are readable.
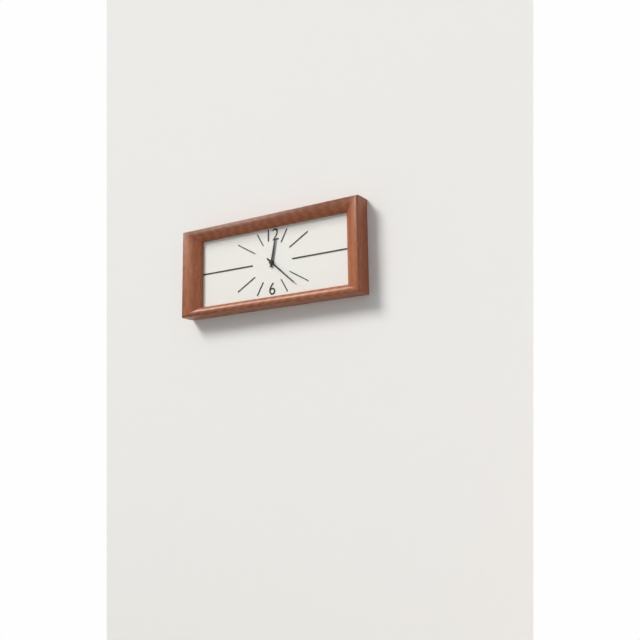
12:22
